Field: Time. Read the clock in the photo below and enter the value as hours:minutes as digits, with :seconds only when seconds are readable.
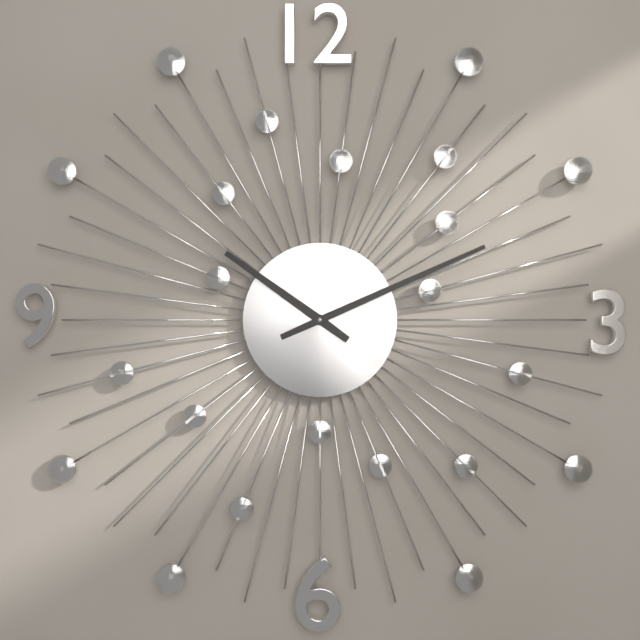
10:11
